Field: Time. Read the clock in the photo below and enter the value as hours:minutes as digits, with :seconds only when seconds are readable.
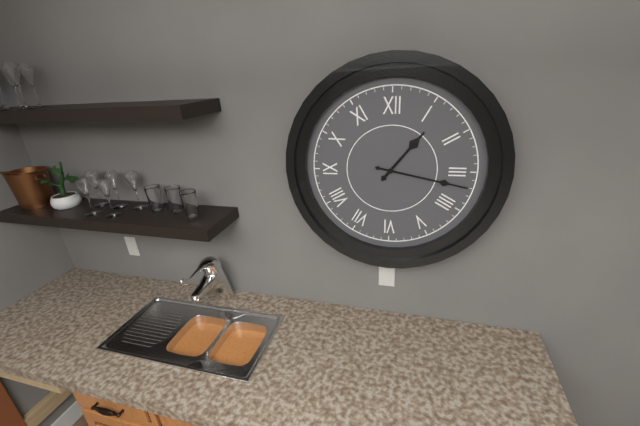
1:17
